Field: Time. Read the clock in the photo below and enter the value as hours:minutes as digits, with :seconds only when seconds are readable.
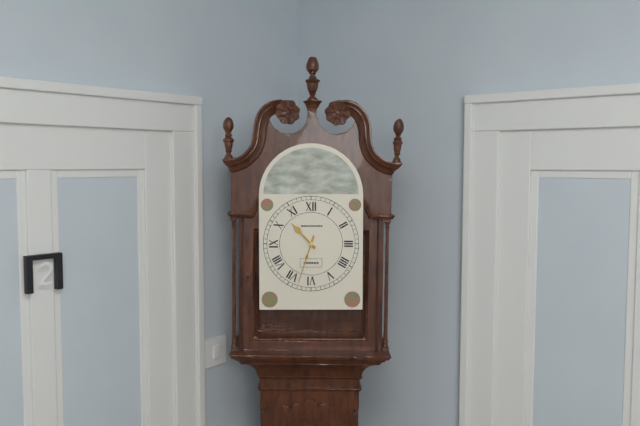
10:33
